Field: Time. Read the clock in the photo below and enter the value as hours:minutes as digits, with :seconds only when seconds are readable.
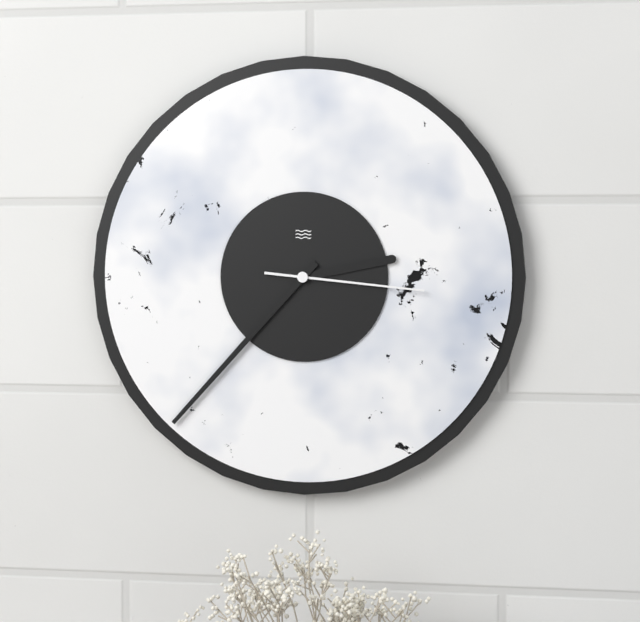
2:37:16
